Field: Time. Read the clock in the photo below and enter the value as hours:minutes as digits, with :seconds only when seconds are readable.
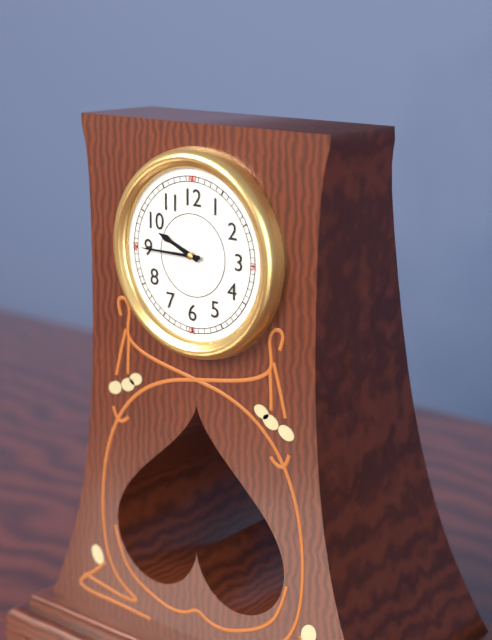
9:45
